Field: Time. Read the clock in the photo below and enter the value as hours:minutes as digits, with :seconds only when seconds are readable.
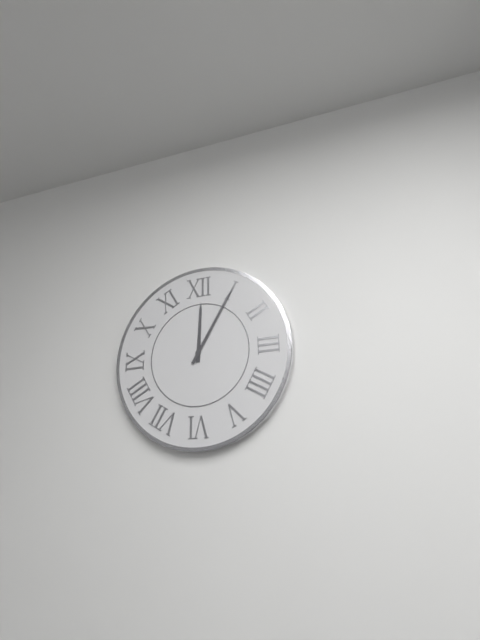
12:05
